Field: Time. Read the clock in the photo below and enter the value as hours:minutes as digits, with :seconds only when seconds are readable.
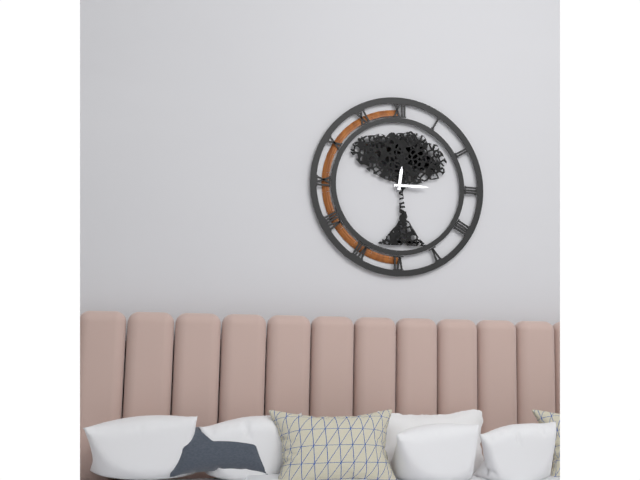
12:15
